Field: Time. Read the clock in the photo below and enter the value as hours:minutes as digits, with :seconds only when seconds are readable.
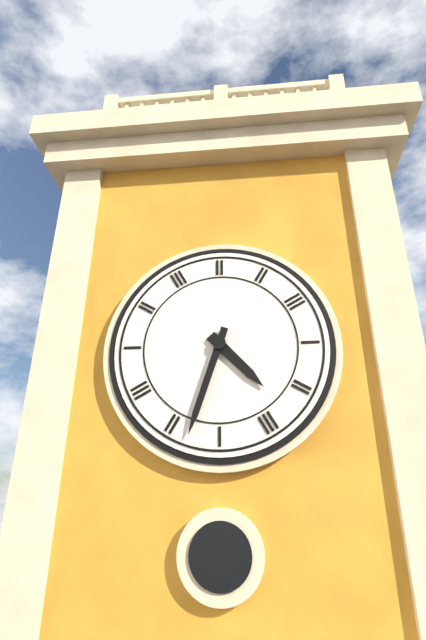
4:33
